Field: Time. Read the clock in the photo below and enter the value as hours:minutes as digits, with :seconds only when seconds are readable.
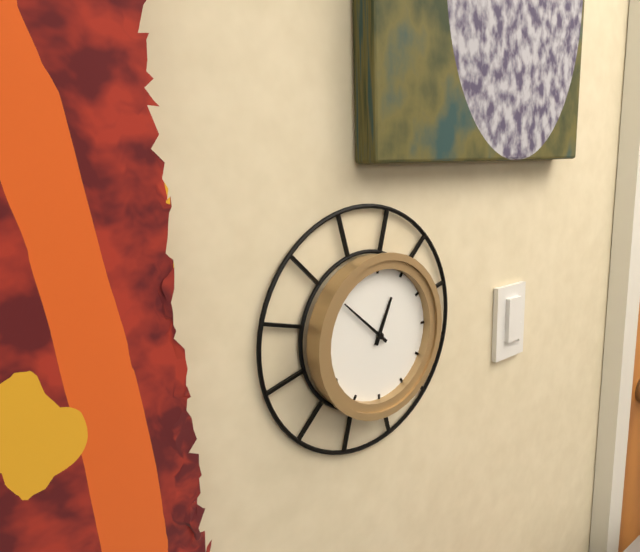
12:52
